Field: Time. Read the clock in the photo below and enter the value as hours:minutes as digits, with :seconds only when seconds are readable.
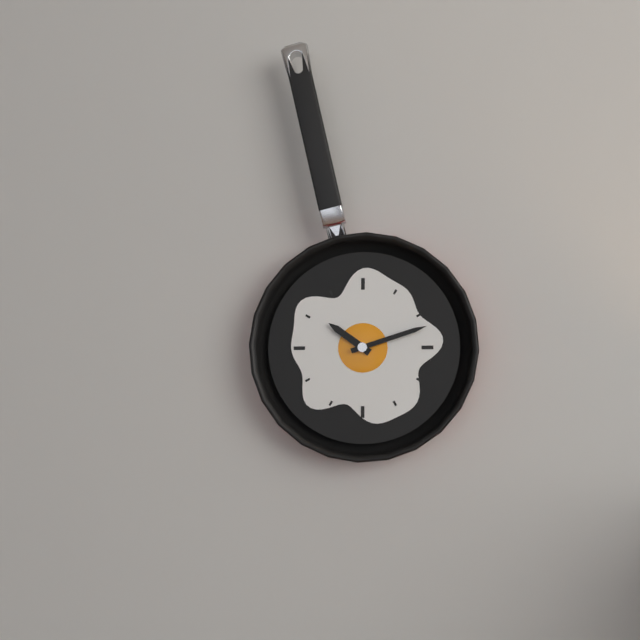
10:12
